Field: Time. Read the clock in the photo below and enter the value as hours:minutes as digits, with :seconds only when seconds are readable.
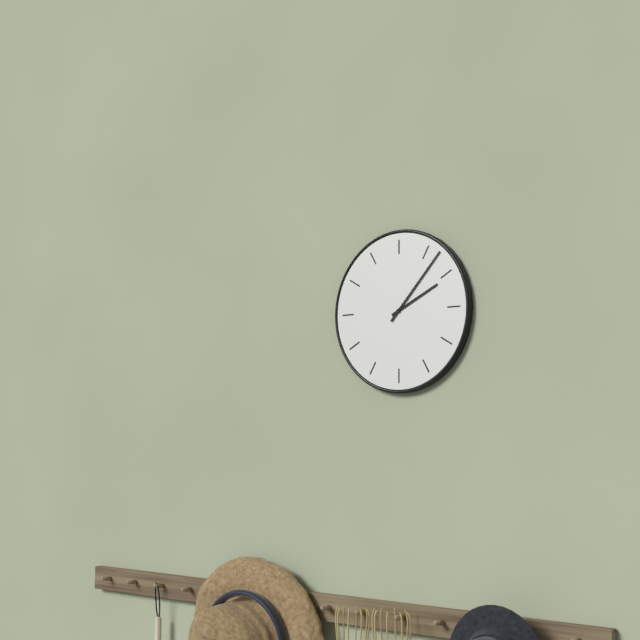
2:07
